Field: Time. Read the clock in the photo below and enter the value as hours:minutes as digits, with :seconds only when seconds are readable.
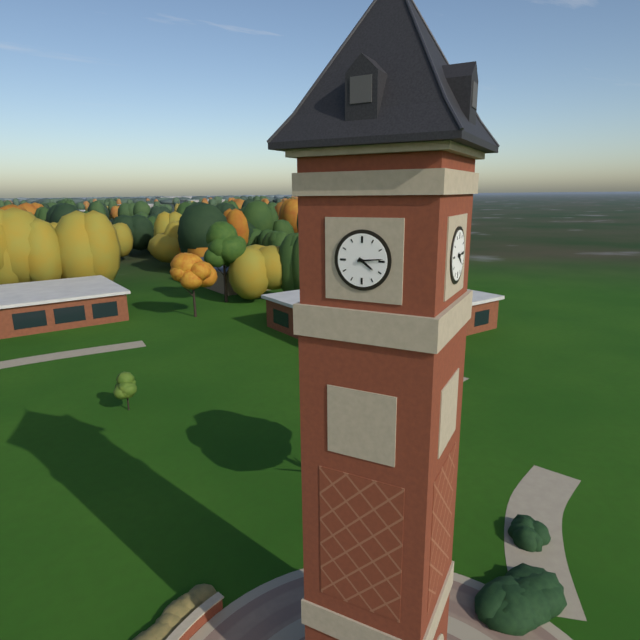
4:14
